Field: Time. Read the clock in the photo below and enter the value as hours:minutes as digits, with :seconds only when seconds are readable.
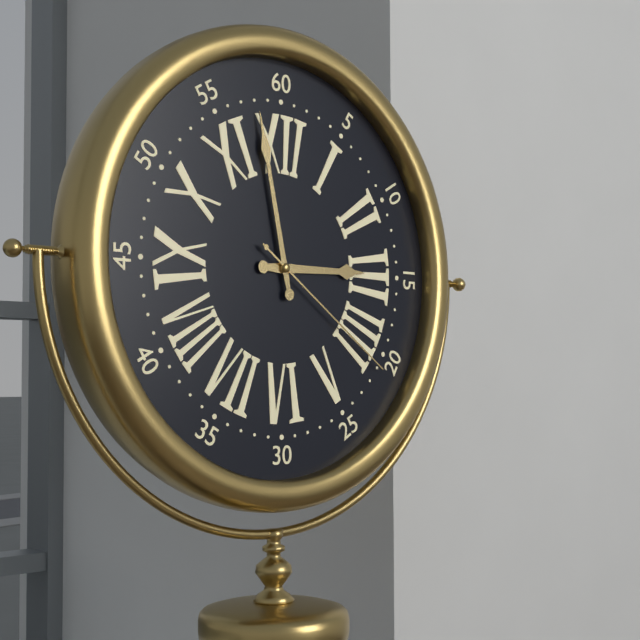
2:58:21
